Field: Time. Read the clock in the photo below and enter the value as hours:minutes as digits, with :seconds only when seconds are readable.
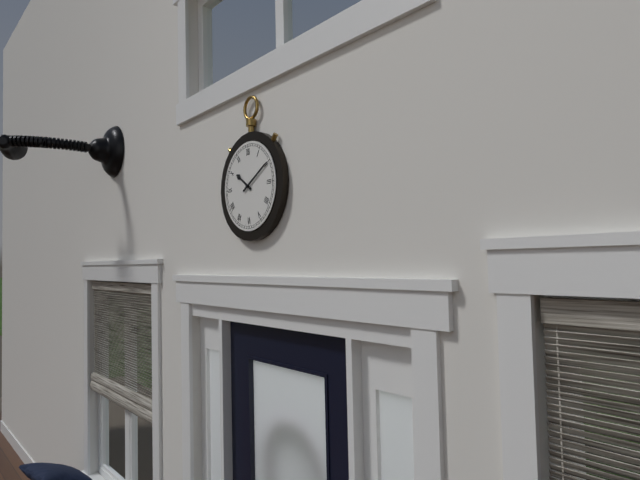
10:10
